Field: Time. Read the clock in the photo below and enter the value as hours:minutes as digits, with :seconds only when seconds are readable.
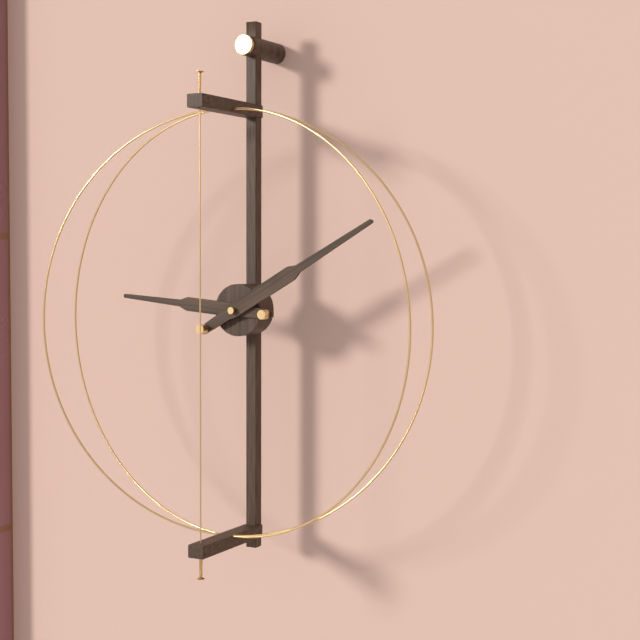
9:10
